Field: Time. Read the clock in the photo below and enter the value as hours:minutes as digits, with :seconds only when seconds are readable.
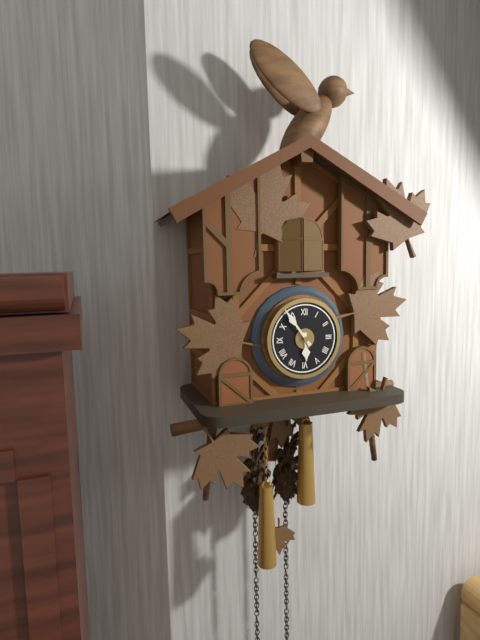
5:54
